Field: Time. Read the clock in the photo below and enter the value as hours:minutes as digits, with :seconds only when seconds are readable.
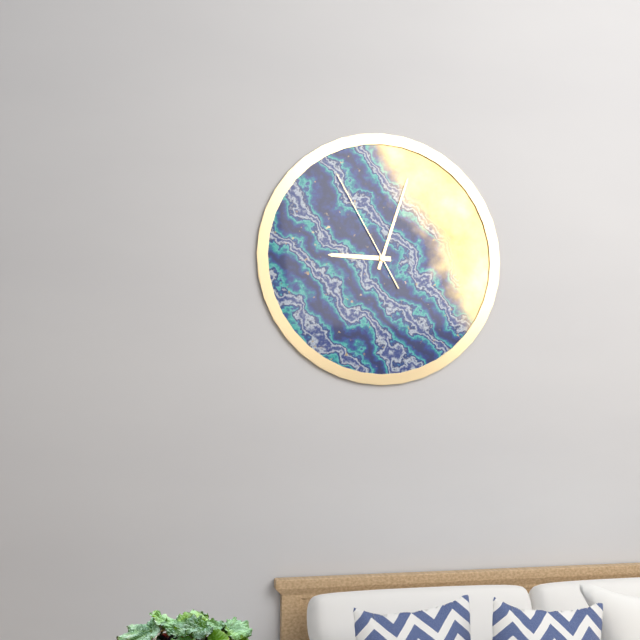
9:03:55
